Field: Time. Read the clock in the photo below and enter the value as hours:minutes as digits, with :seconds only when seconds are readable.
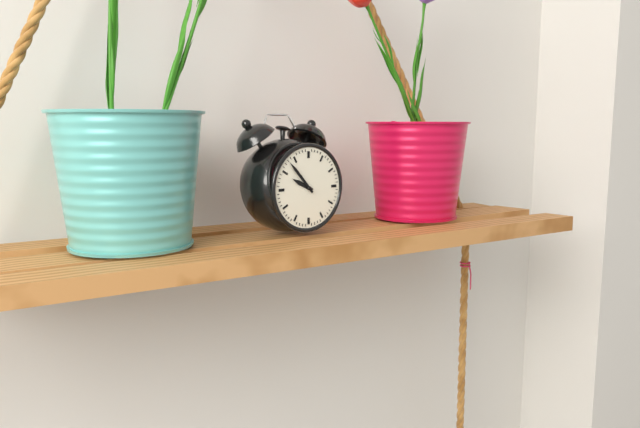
9:53
